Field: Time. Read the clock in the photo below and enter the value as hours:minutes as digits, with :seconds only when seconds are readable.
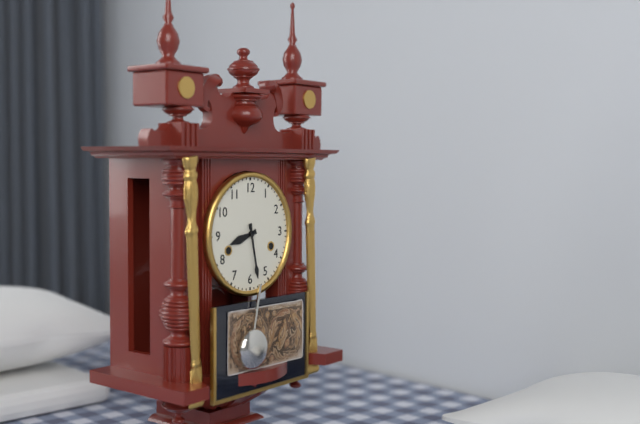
8:28
